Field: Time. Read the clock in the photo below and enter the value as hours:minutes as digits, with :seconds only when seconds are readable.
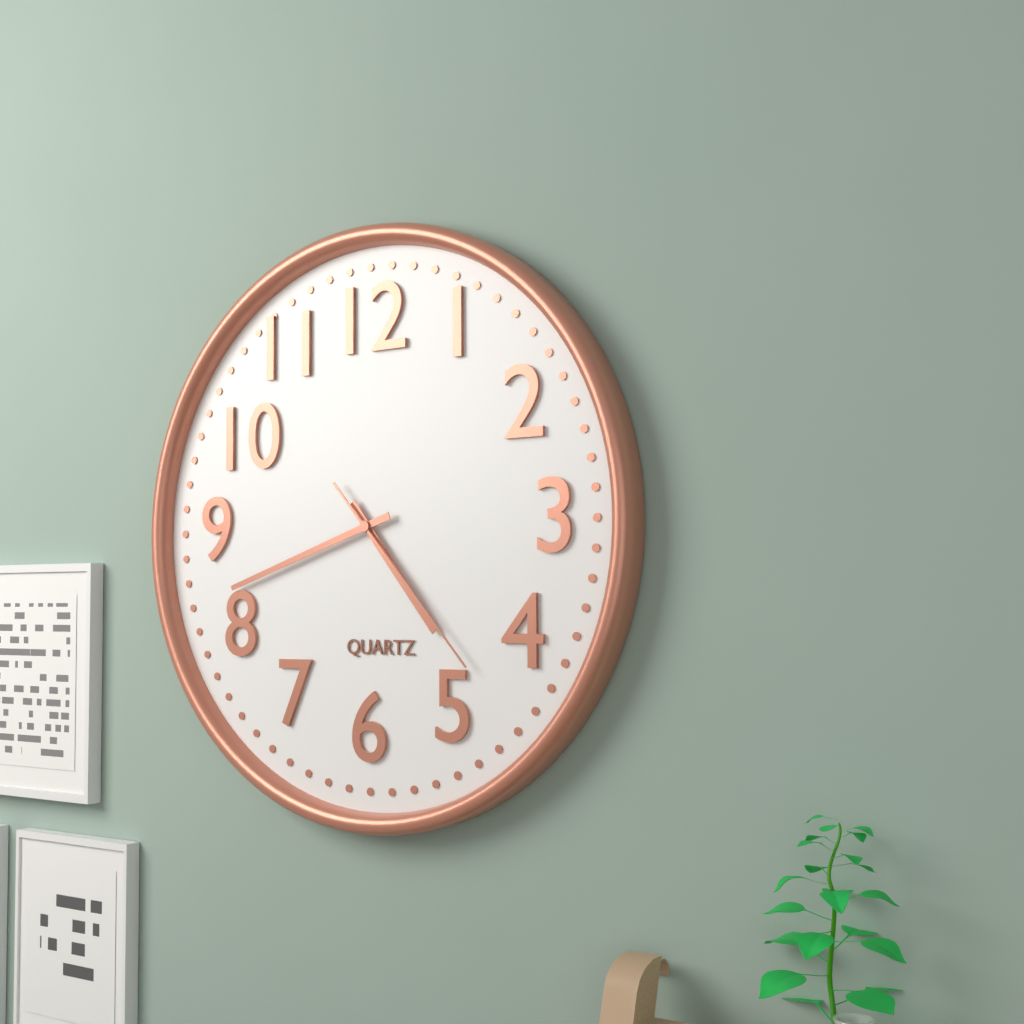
4:42:23
